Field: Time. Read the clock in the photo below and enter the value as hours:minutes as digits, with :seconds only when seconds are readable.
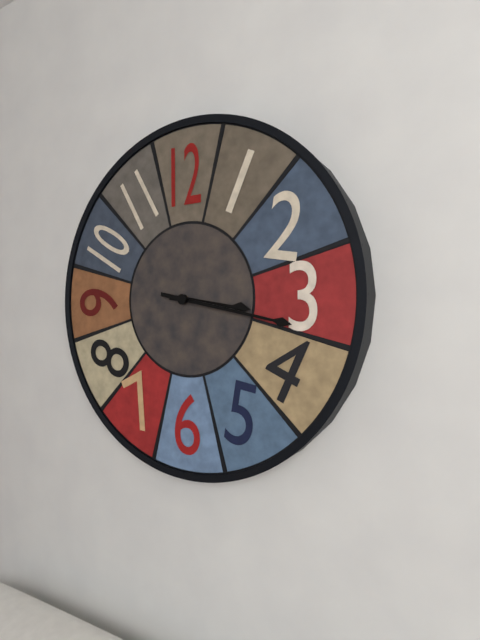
3:17
